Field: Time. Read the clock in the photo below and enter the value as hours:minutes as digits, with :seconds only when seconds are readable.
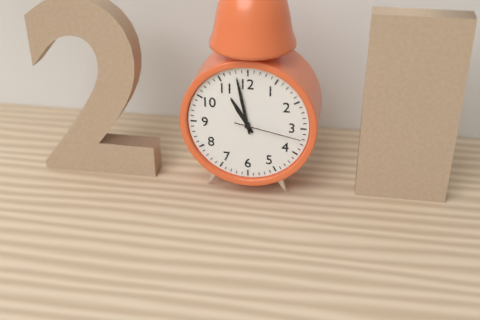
10:58:17
